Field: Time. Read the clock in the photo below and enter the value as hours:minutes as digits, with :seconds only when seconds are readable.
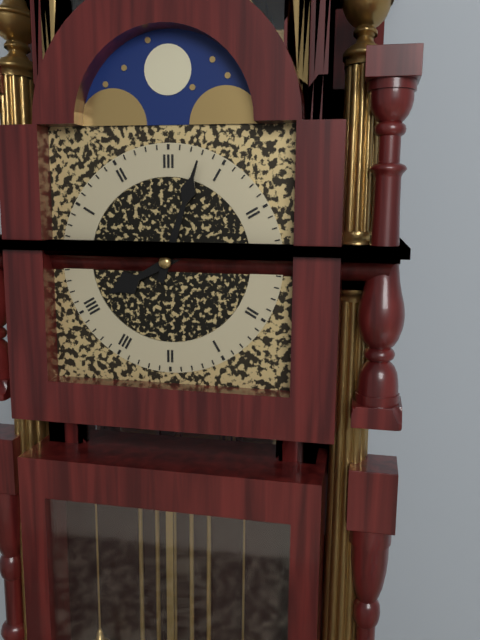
8:03
